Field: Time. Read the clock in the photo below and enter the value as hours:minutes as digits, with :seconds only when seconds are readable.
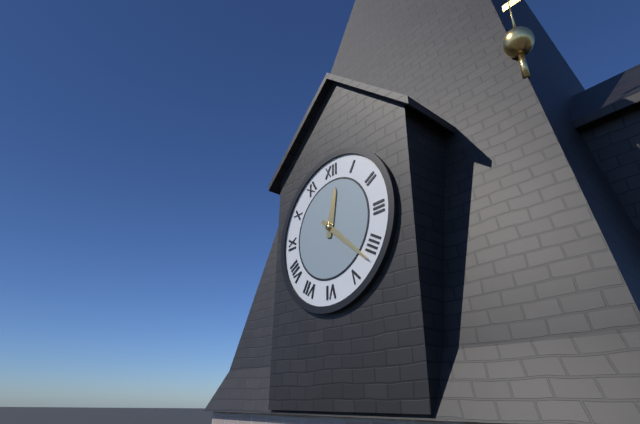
12:22
